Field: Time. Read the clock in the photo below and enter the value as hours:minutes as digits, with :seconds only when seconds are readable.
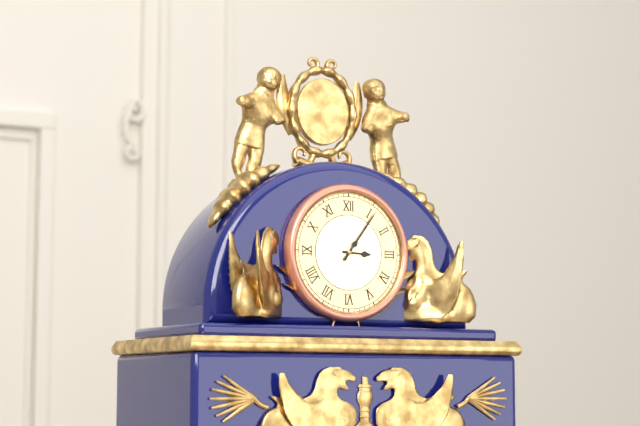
3:06
